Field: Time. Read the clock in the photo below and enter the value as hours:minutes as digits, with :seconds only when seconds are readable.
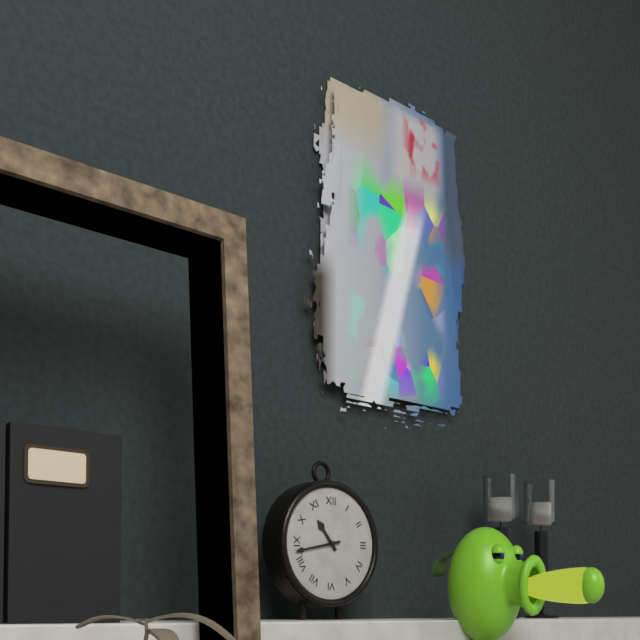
10:43
